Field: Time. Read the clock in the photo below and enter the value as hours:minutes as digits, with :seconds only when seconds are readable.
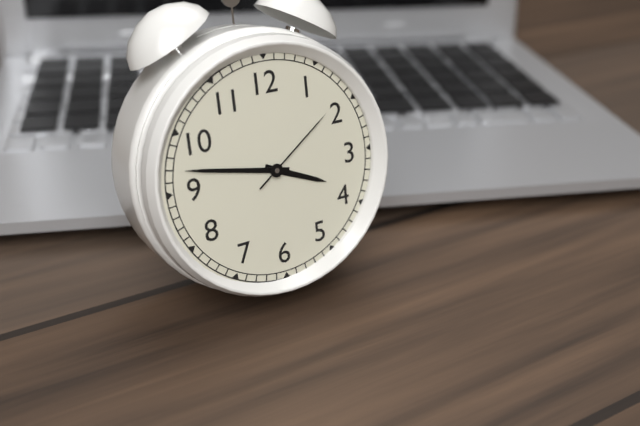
3:47:09
